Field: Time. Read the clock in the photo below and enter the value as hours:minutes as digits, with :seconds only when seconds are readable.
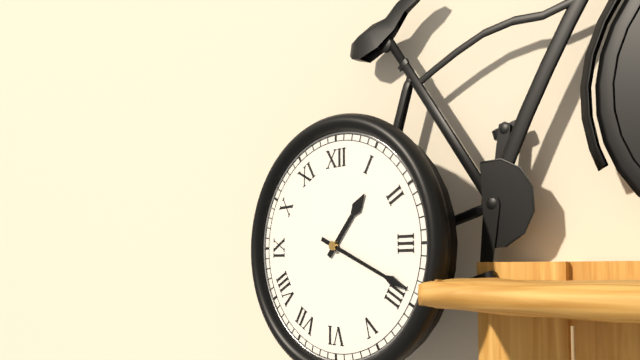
1:19
